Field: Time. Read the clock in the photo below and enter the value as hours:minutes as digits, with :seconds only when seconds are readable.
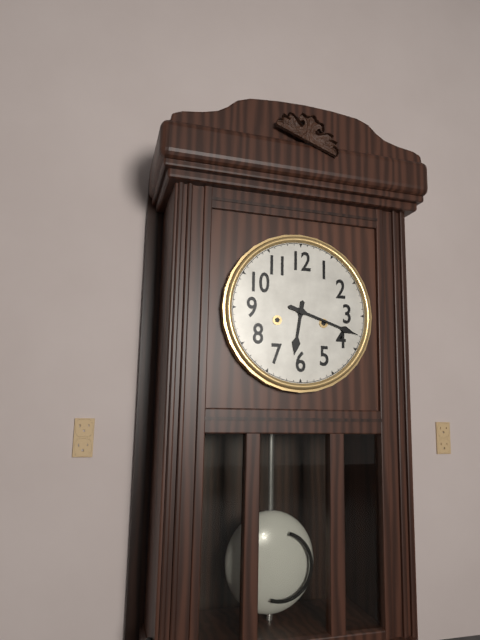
6:18
